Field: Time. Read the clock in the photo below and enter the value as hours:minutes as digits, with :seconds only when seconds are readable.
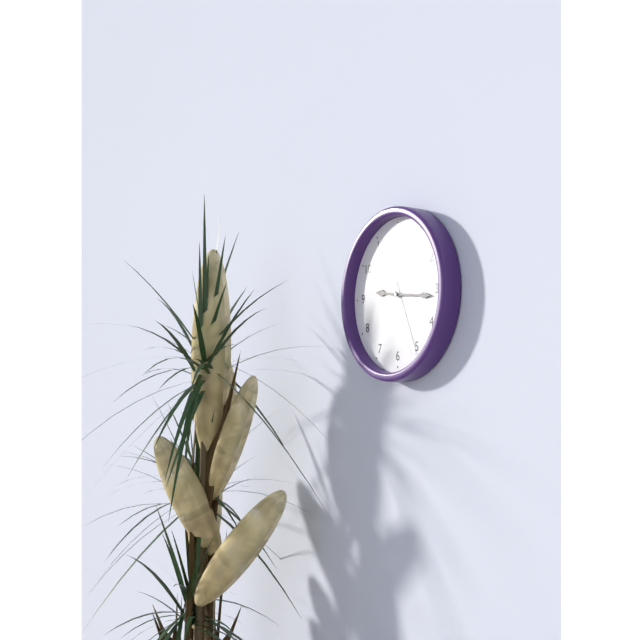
9:16:26
